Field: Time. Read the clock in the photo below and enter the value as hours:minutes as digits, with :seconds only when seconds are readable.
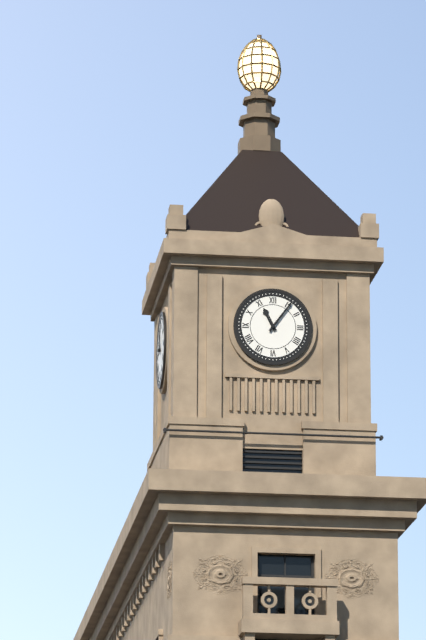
11:06
